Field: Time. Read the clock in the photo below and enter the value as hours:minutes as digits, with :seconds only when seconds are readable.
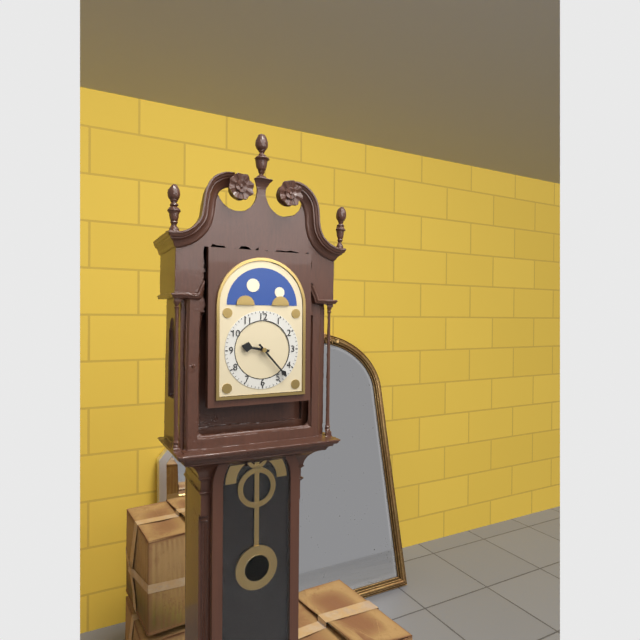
9:23
